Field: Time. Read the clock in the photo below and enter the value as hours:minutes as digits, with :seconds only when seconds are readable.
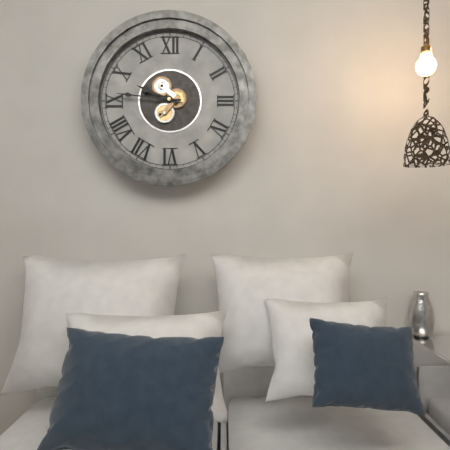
9:46
